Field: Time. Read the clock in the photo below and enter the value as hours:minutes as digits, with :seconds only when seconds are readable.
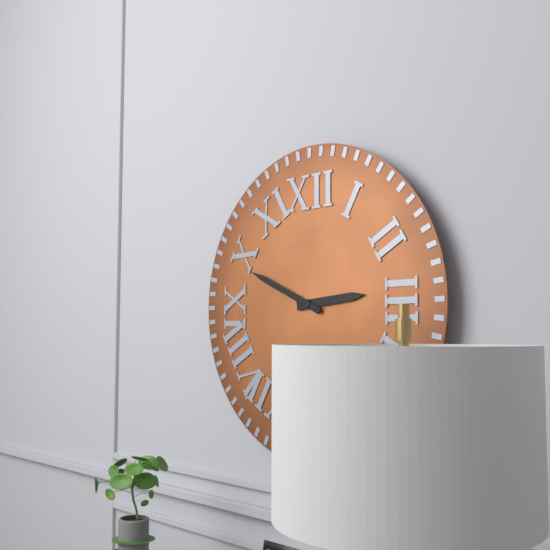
2:49
